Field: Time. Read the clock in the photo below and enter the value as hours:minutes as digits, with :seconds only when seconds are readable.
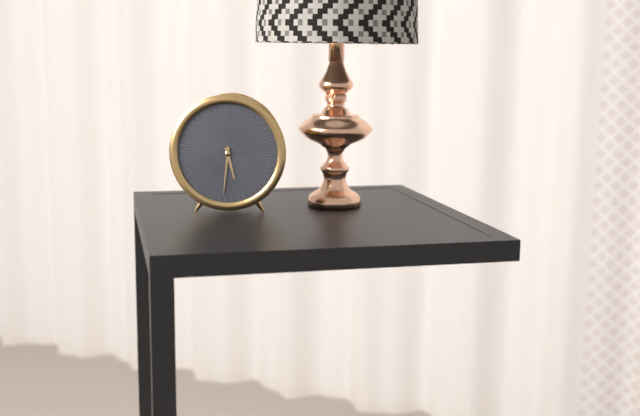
5:31
